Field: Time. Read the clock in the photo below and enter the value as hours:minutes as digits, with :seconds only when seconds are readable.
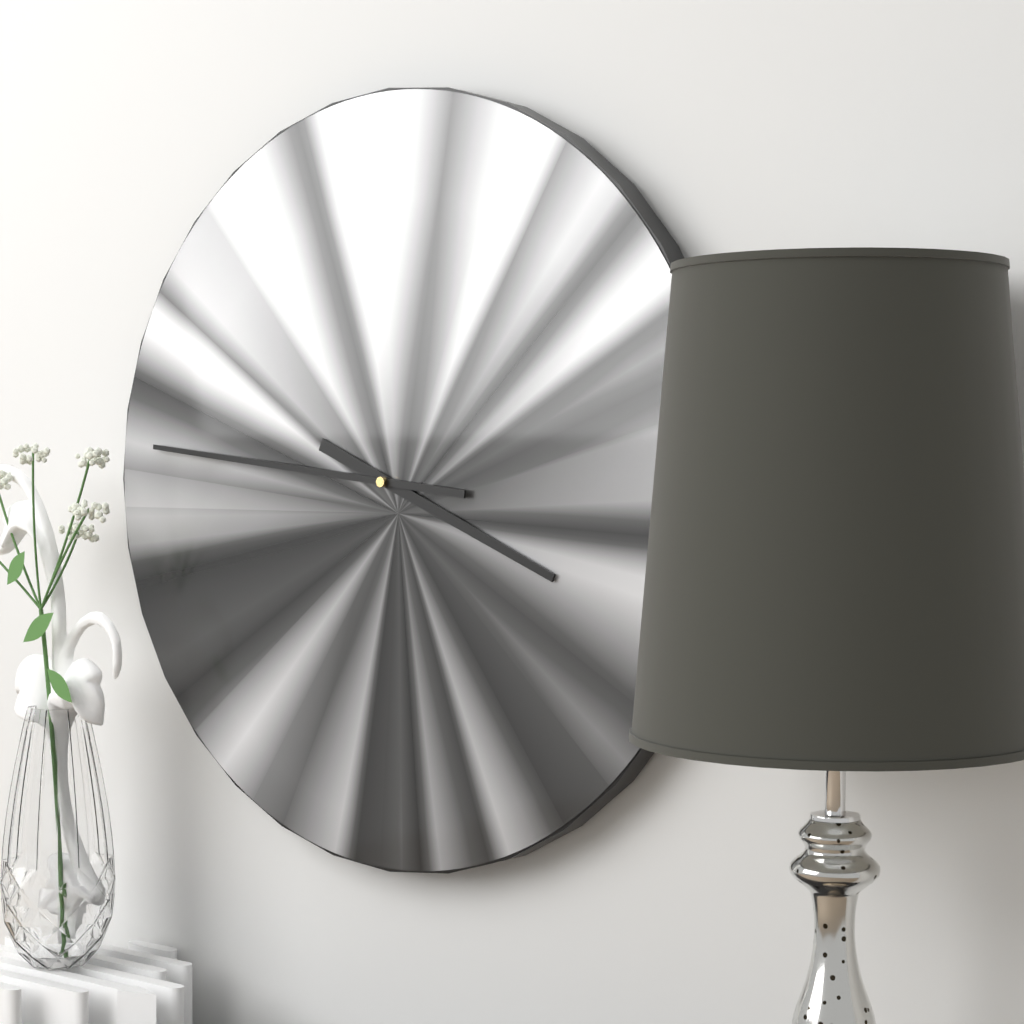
3:46
